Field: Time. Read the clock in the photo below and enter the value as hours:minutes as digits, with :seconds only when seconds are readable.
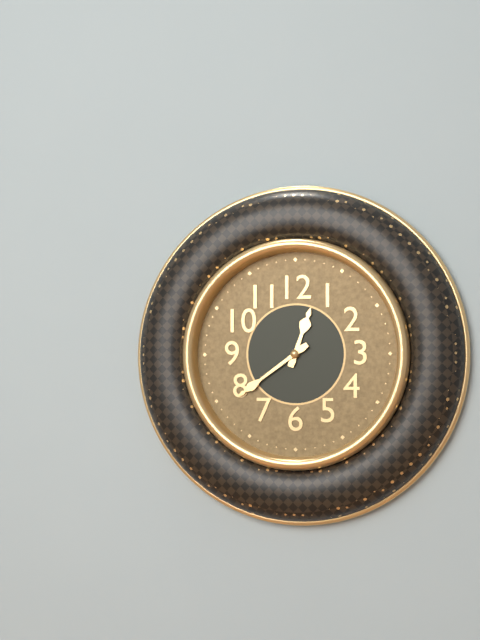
12:39
